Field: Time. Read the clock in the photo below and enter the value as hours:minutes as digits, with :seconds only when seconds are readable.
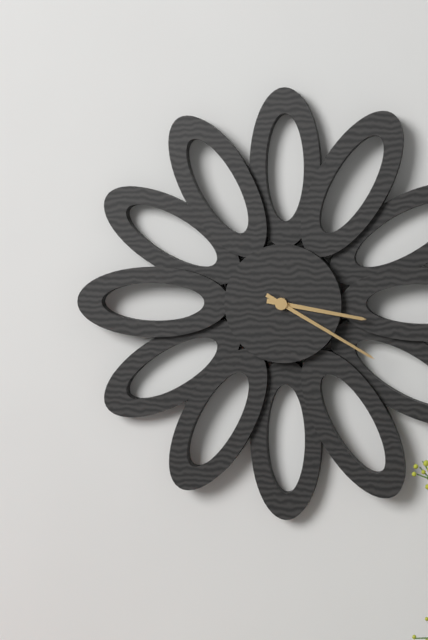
3:20
